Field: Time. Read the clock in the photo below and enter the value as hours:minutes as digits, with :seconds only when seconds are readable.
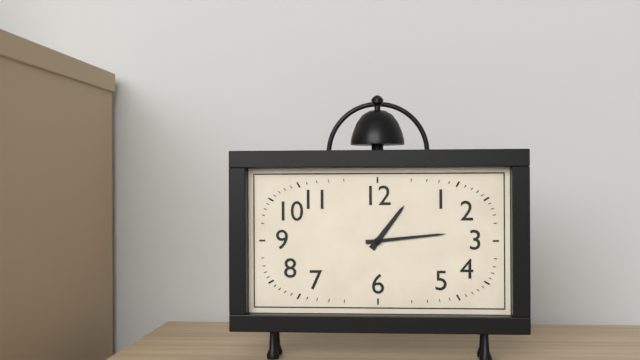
1:14
